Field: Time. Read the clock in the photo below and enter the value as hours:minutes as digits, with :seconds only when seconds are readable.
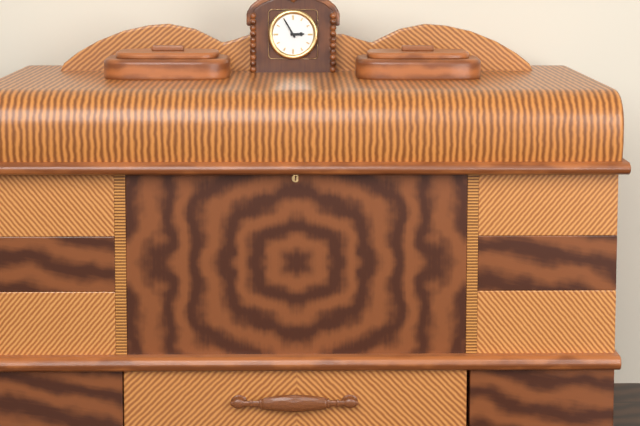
2:55
